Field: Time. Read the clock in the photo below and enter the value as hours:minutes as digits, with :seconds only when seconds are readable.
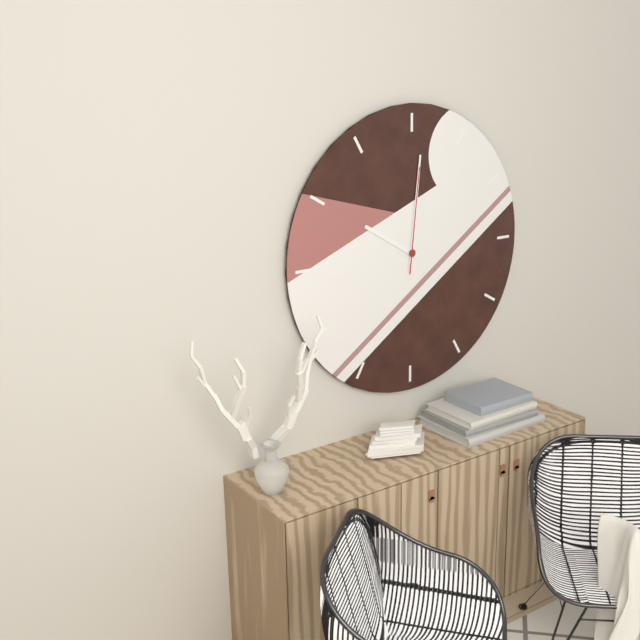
10:01:01
